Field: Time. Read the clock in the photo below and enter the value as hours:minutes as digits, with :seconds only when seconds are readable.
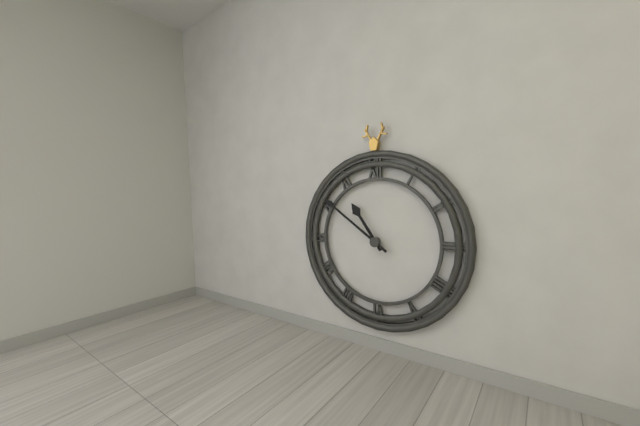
10:51
